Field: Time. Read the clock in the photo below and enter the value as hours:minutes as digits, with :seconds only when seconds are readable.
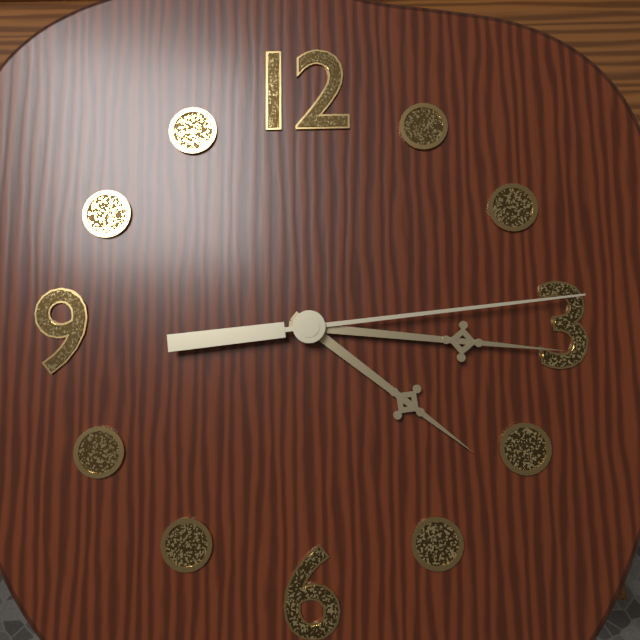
4:16:14
